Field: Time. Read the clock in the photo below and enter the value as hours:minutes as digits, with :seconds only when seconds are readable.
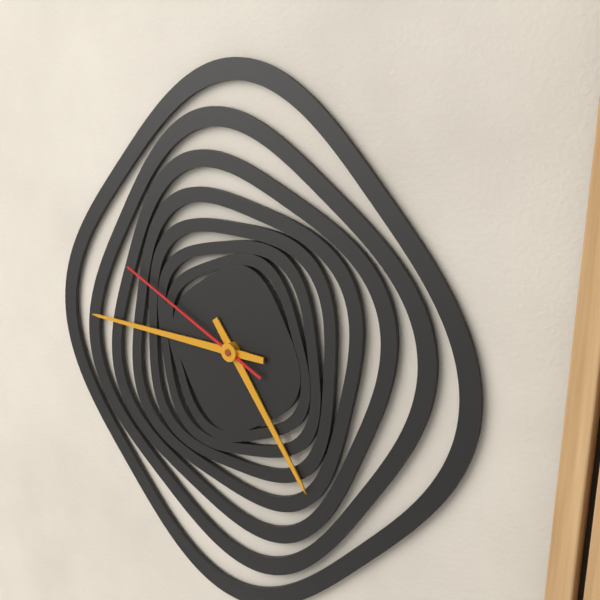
4:45:49
